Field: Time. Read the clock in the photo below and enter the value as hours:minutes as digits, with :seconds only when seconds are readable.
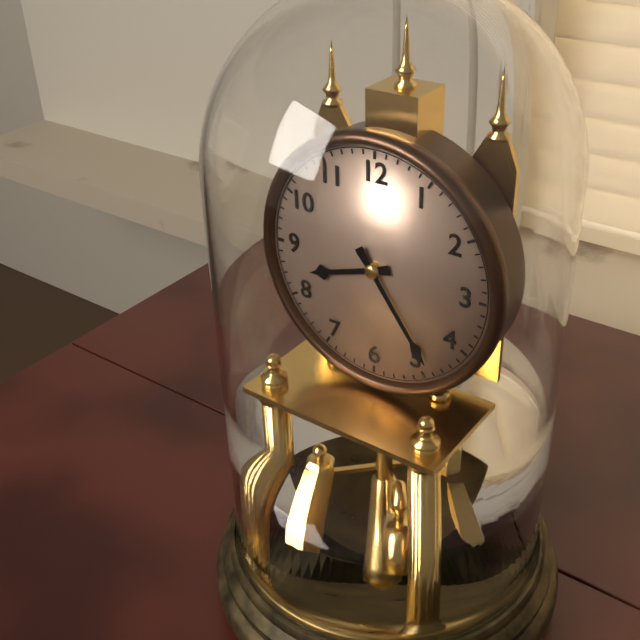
8:24
